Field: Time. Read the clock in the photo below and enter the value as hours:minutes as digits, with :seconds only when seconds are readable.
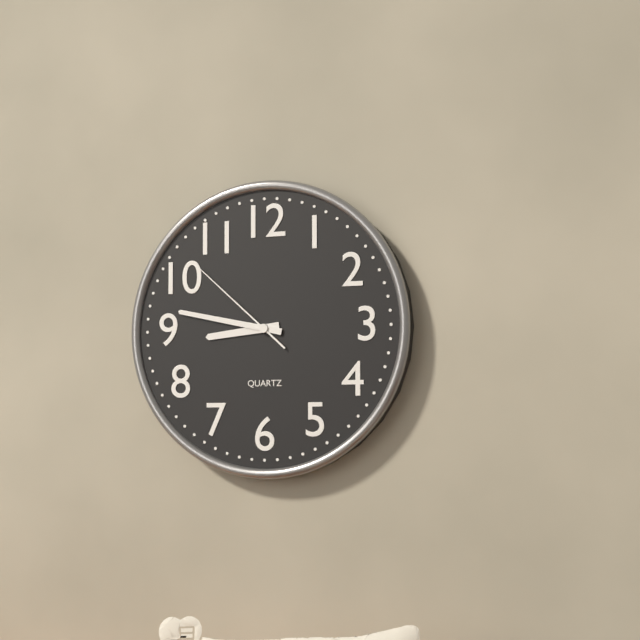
8:47:52
